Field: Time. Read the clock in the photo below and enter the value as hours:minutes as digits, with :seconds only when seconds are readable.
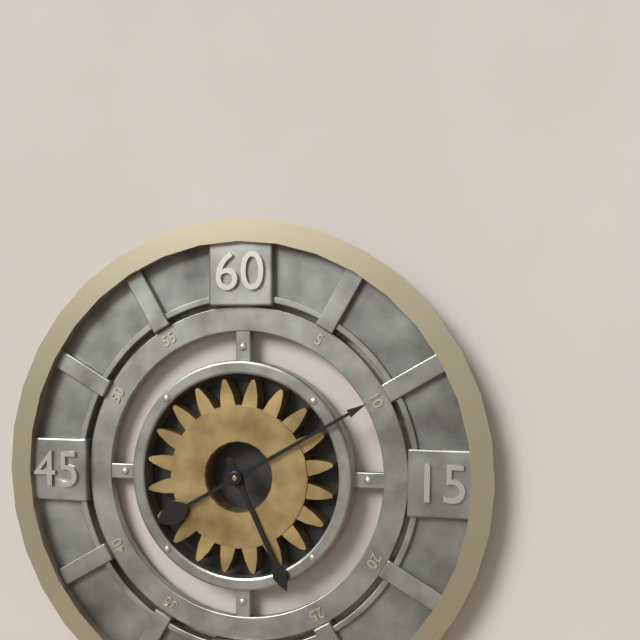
5:10
